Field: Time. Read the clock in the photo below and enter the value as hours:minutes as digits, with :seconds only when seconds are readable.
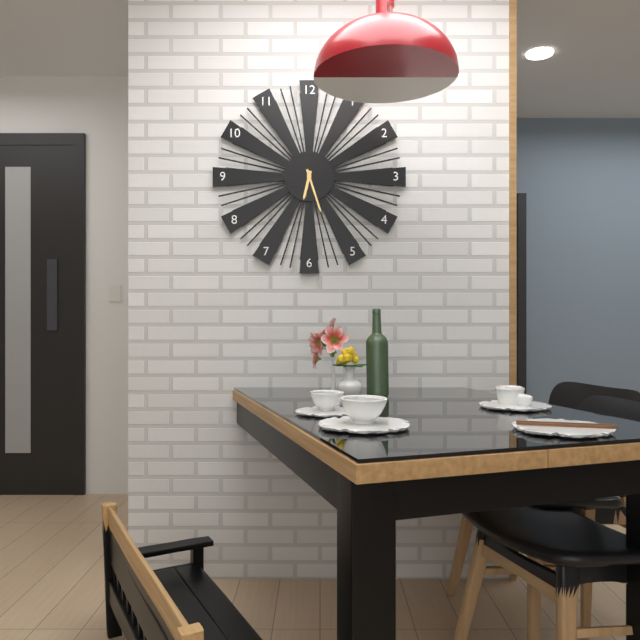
6:27
